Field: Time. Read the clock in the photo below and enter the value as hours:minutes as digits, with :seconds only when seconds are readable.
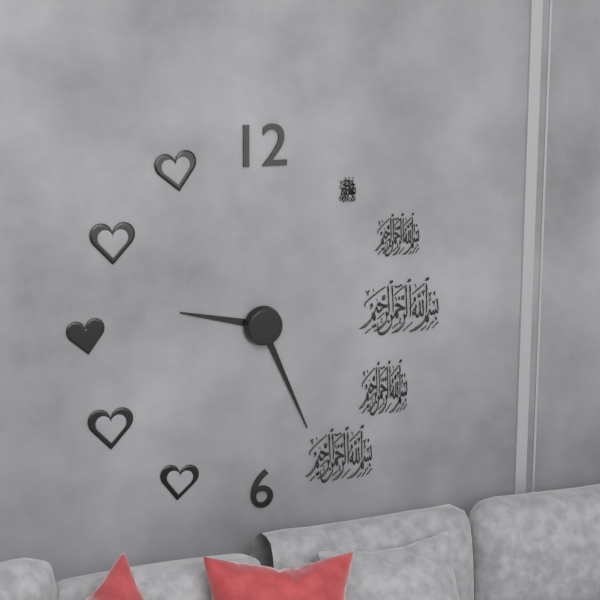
9:26
